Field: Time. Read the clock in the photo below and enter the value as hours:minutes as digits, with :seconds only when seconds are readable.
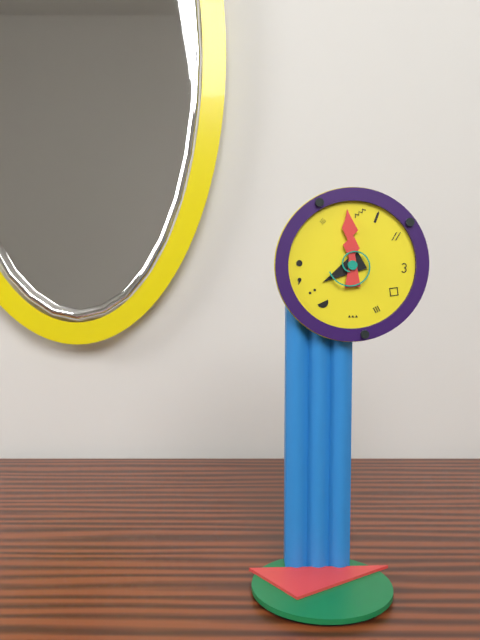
7:59
